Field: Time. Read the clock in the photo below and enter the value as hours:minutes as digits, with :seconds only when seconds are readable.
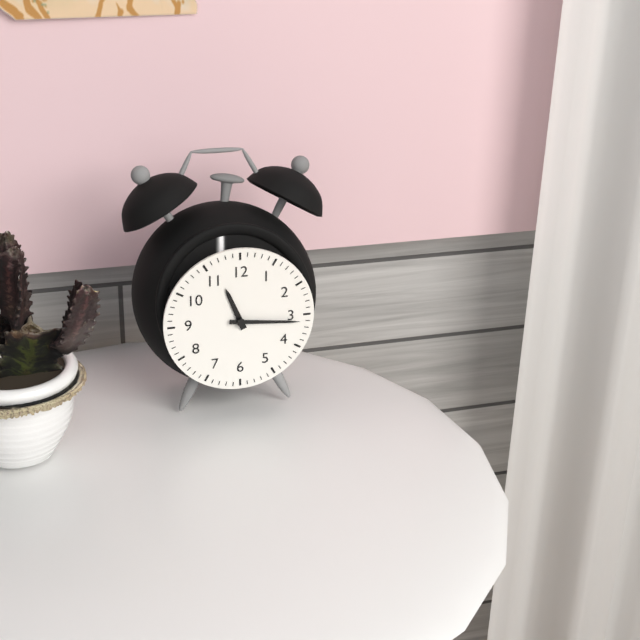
11:16
